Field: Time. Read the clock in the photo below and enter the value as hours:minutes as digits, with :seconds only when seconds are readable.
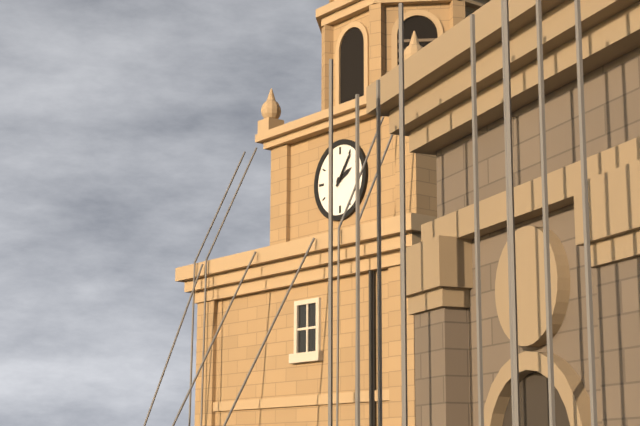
2:06
